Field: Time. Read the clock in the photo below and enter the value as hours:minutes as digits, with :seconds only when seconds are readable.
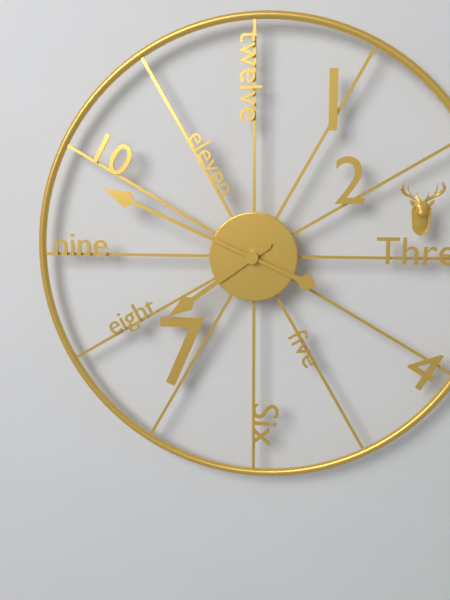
7:49
